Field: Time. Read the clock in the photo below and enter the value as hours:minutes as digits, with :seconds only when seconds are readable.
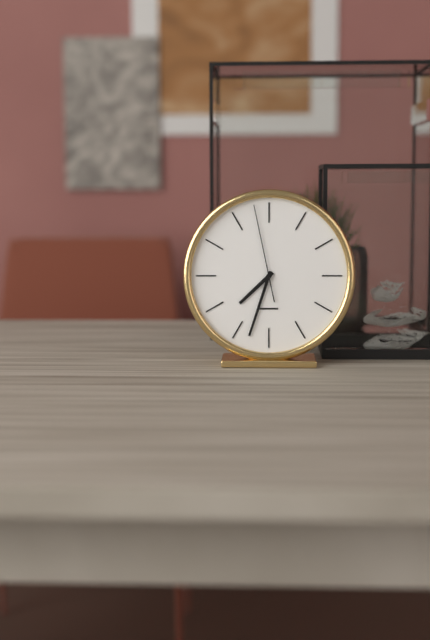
7:33:58
